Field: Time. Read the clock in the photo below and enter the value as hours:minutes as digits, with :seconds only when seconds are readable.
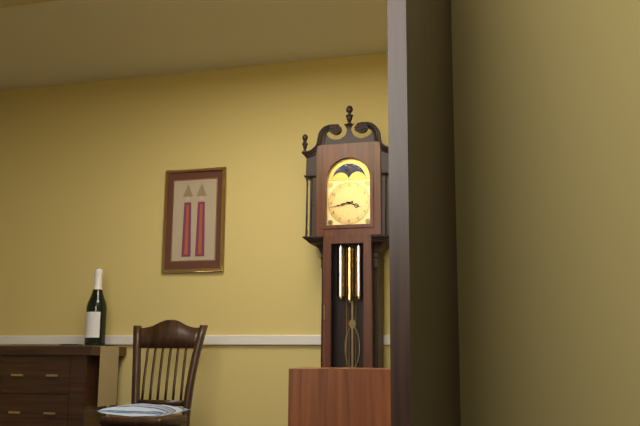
3:43
